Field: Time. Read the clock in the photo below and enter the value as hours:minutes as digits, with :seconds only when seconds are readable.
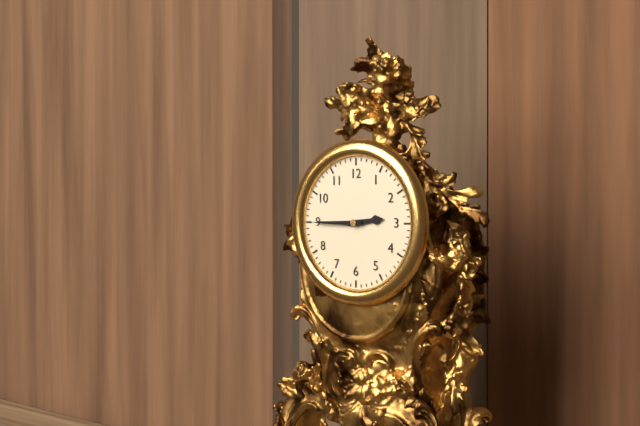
2:45
